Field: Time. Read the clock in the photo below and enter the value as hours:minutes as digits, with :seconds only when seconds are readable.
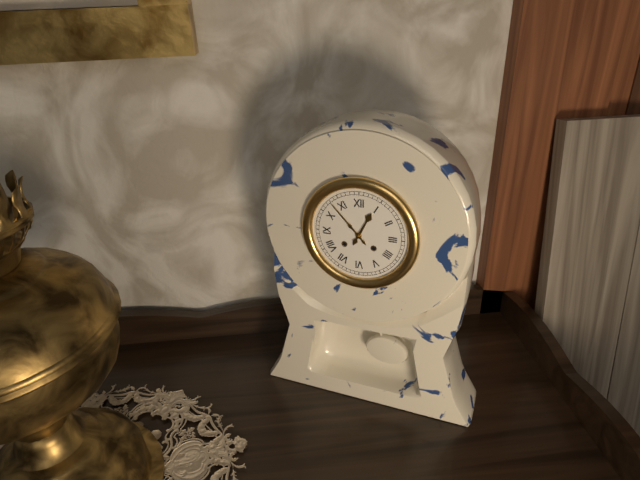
12:53
